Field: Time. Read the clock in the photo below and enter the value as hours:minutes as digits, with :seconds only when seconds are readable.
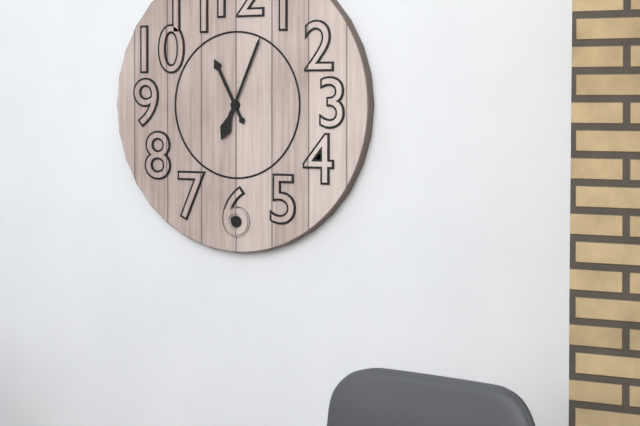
11:04
